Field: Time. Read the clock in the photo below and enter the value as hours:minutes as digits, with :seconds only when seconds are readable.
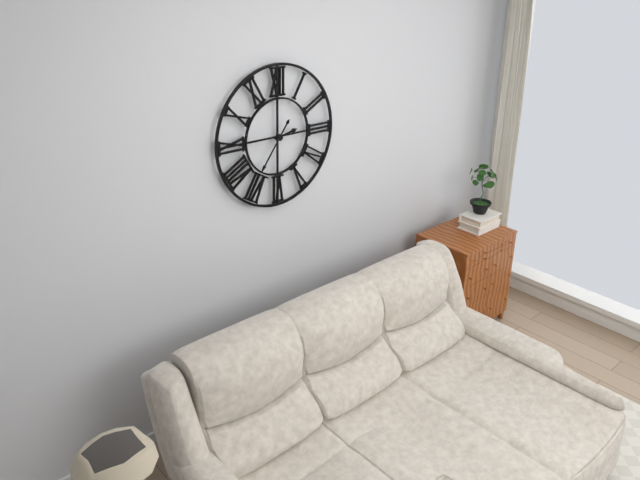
2:36
